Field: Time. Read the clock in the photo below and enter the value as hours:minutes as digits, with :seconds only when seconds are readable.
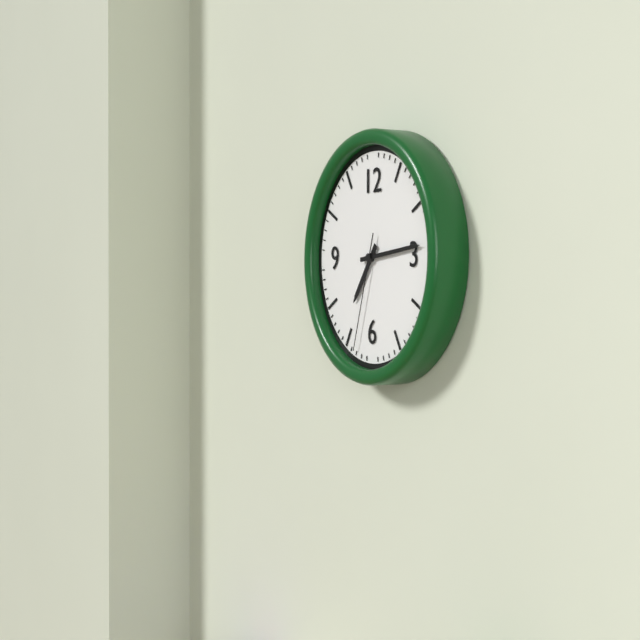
7:14:33
